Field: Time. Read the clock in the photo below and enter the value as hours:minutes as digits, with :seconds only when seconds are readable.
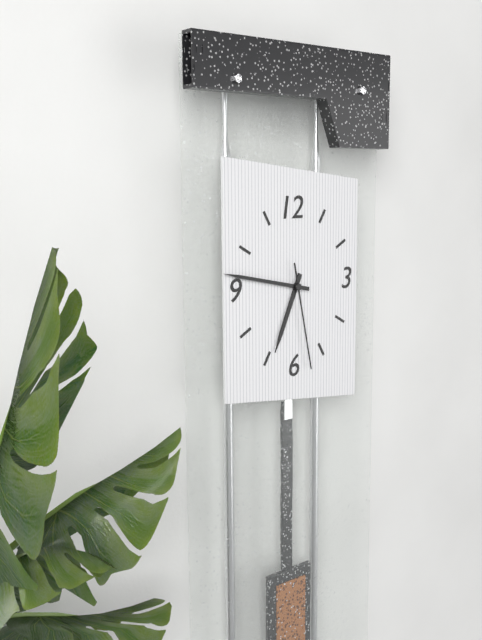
6:47:28
